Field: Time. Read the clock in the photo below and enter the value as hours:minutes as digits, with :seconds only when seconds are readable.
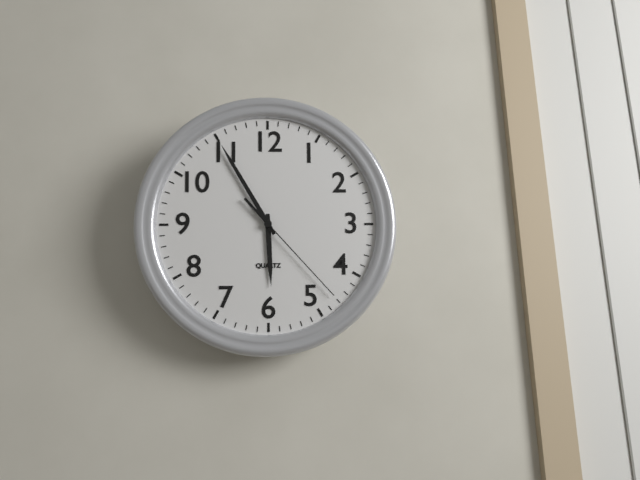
5:55:23
